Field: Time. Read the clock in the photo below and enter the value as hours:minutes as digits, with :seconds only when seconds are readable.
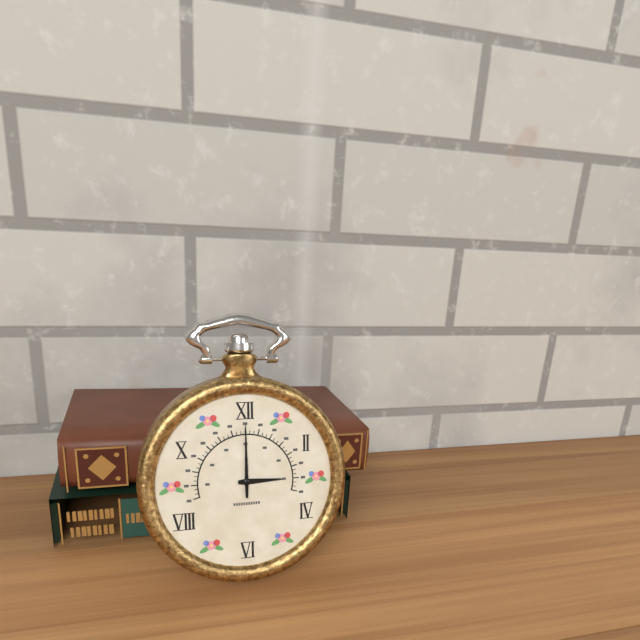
3:00
